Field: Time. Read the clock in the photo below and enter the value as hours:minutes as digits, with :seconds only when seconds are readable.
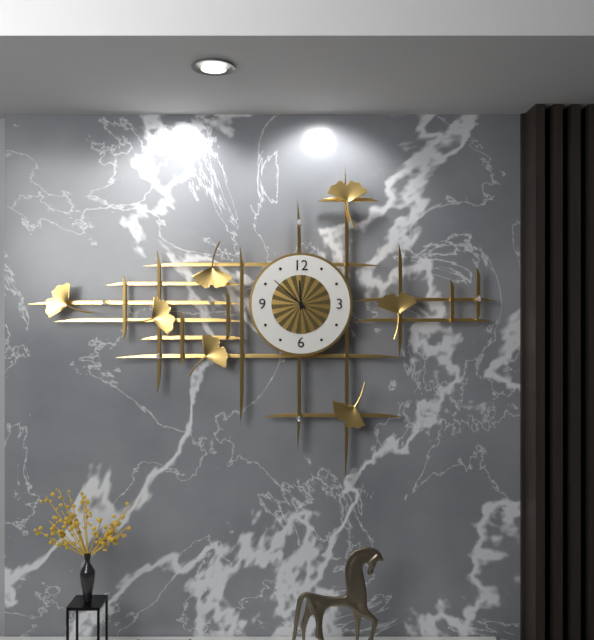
11:52
